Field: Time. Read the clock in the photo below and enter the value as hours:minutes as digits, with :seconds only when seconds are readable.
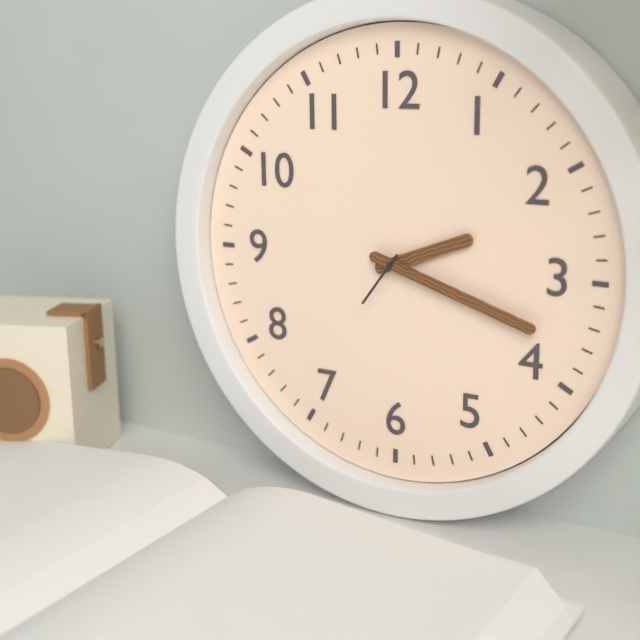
2:18:36
